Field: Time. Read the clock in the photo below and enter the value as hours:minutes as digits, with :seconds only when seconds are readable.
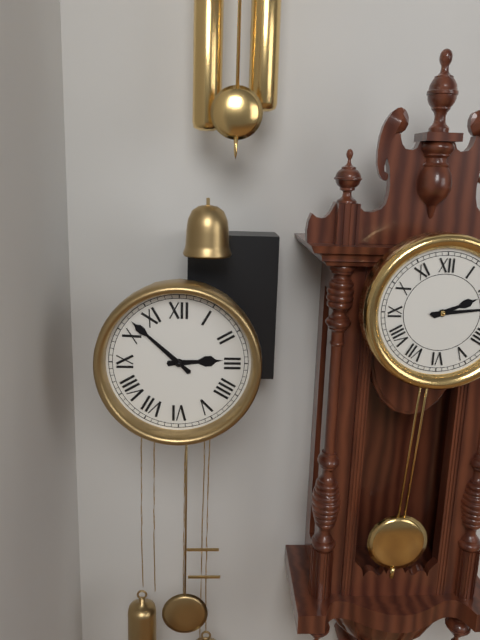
2:52
